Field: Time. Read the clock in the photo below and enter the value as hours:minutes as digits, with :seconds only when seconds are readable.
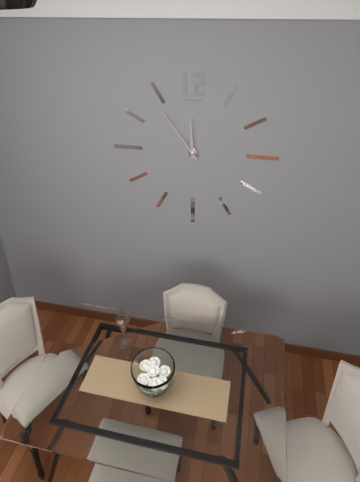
11:54
